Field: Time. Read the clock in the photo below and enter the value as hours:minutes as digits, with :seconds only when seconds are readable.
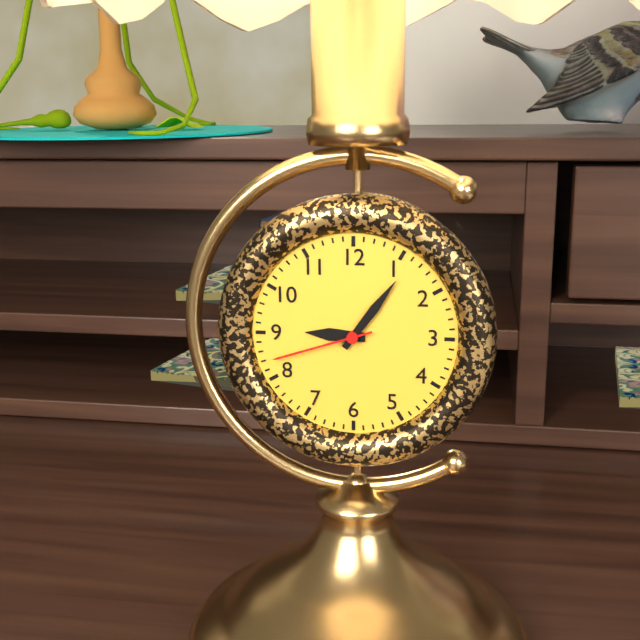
9:06:42
